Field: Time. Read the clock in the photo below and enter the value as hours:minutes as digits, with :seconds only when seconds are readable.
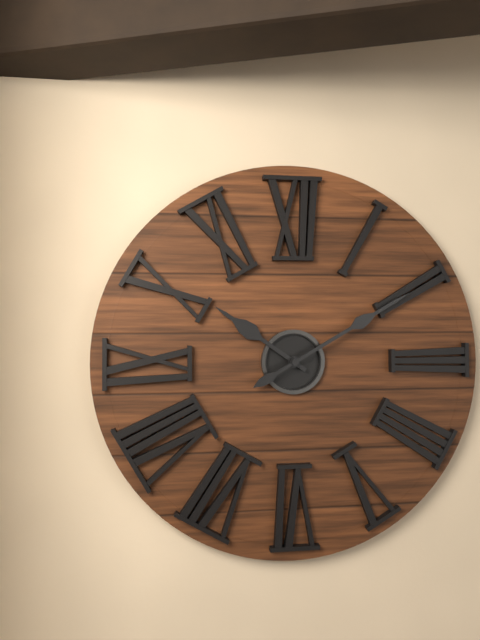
10:10
